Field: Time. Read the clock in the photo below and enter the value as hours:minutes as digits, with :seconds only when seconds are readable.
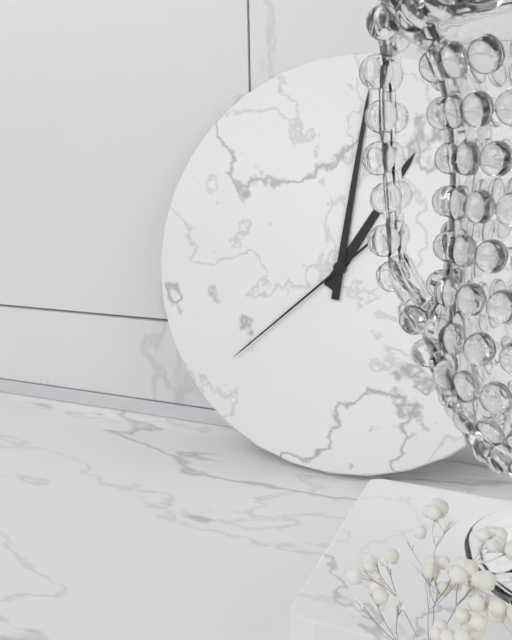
1:01:38
